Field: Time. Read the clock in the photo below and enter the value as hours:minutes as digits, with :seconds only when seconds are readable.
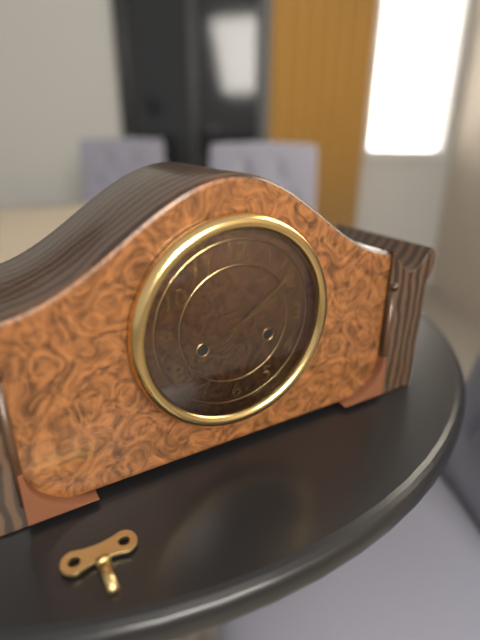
2:09
